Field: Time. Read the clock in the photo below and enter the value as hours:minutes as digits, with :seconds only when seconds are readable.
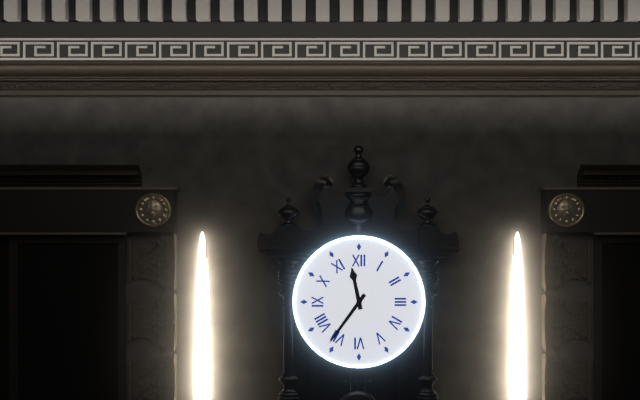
11:36
